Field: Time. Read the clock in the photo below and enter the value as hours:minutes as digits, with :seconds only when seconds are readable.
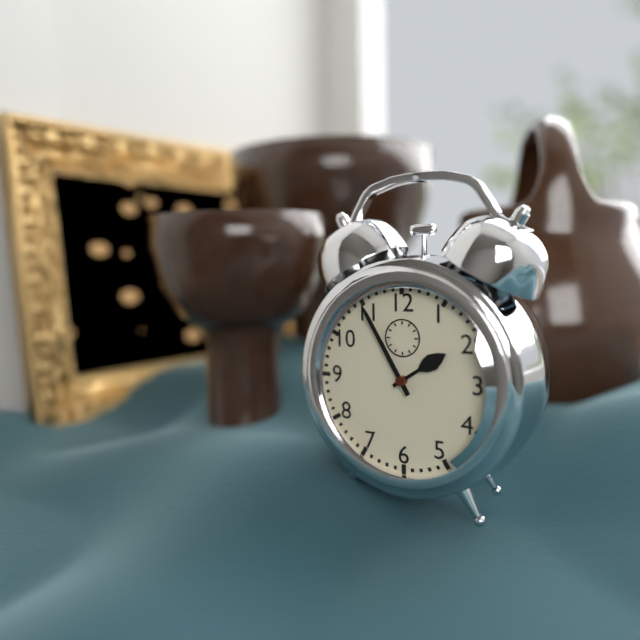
1:55
